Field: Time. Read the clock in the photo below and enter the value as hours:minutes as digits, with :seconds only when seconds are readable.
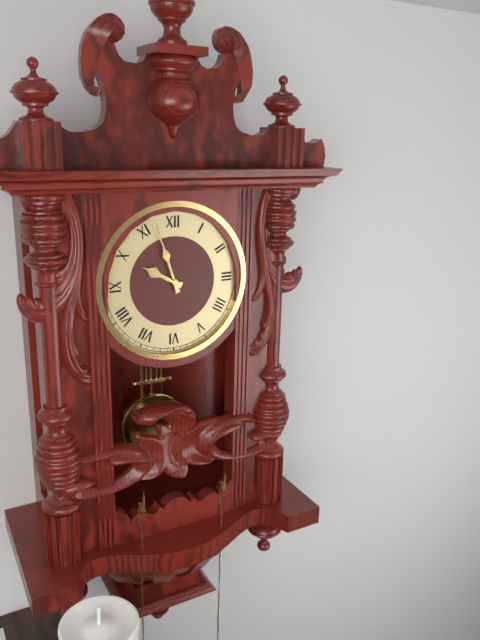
9:57
